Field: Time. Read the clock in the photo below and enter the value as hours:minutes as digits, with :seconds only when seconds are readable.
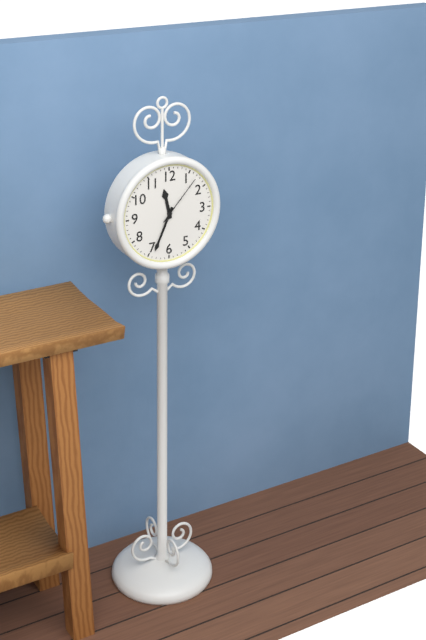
11:34:07
